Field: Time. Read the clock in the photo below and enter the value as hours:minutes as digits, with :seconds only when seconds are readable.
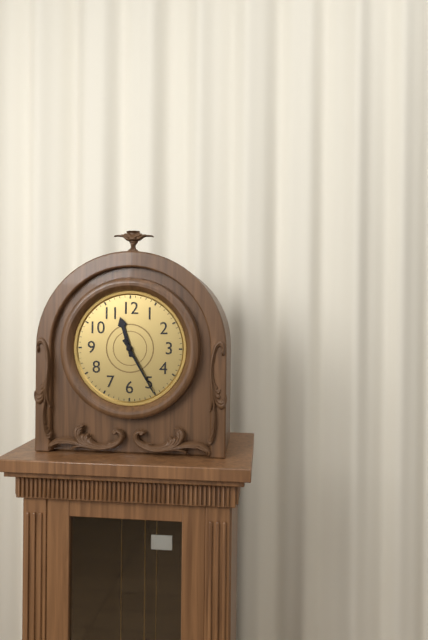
11:25
